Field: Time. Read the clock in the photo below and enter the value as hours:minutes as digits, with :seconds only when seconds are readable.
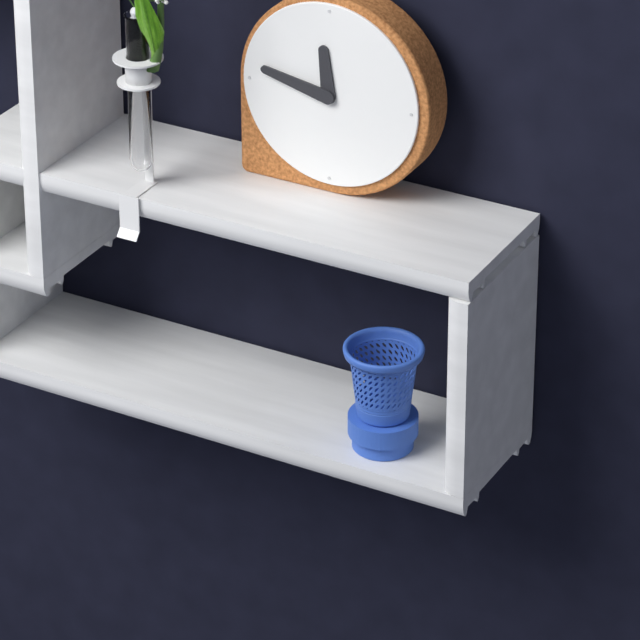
11:47
